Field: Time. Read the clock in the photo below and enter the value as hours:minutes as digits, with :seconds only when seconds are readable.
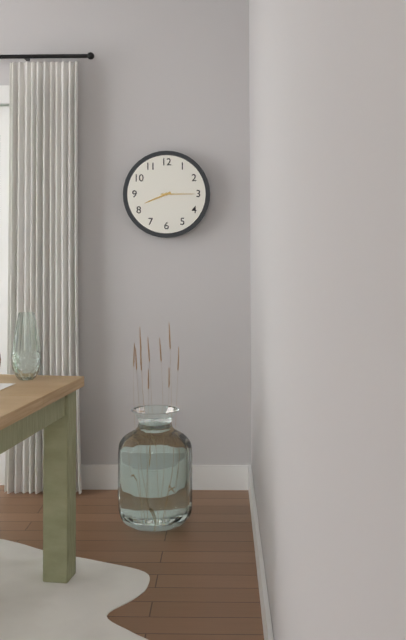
8:15
